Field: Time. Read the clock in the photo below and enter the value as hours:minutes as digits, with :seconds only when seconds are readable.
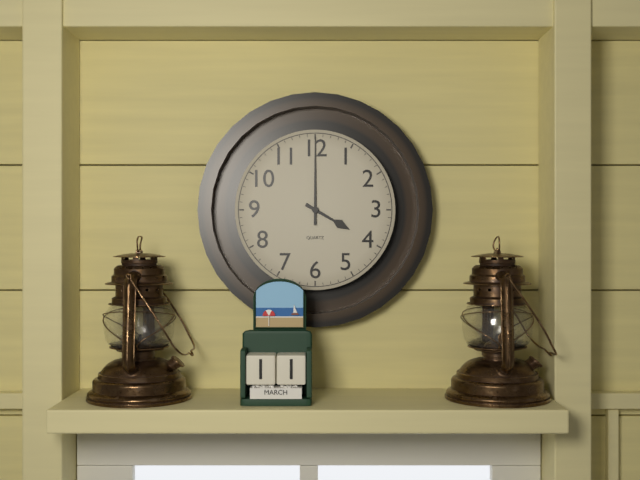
4:00
